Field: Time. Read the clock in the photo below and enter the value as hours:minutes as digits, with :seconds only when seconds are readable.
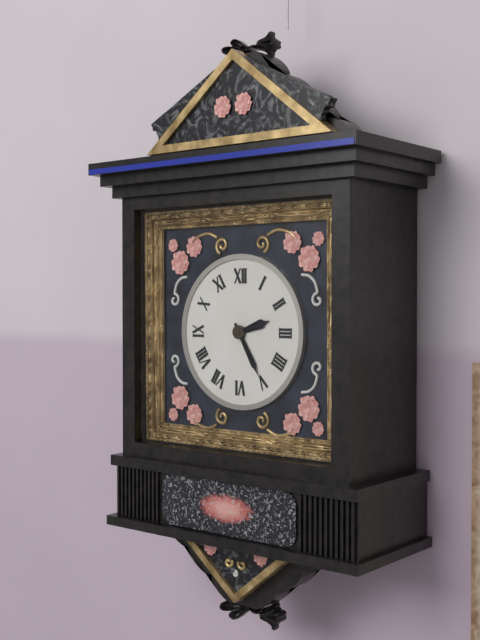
2:25
